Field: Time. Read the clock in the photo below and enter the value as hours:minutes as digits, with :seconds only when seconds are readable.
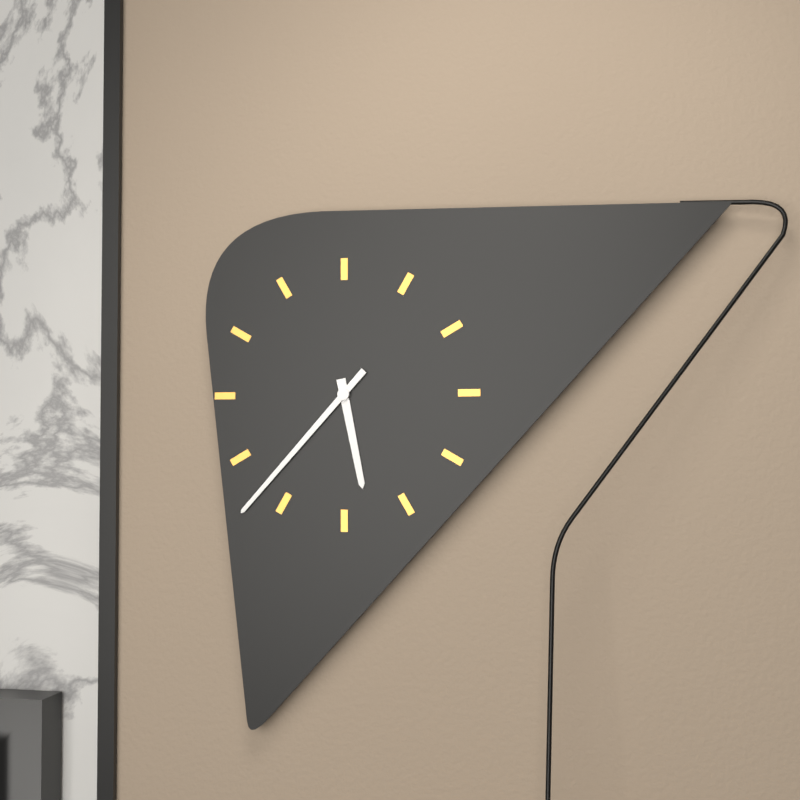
5:37
